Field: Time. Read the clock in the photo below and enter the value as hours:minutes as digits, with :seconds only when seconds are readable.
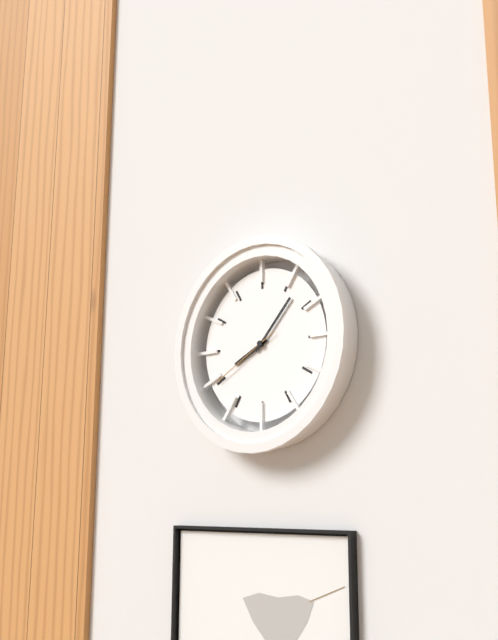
8:07:40
